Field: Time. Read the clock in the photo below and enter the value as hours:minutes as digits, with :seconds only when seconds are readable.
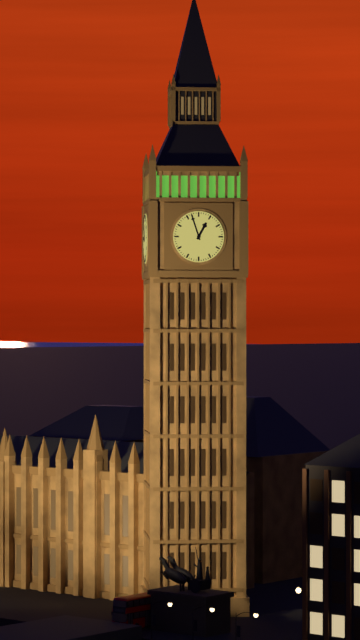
12:57
